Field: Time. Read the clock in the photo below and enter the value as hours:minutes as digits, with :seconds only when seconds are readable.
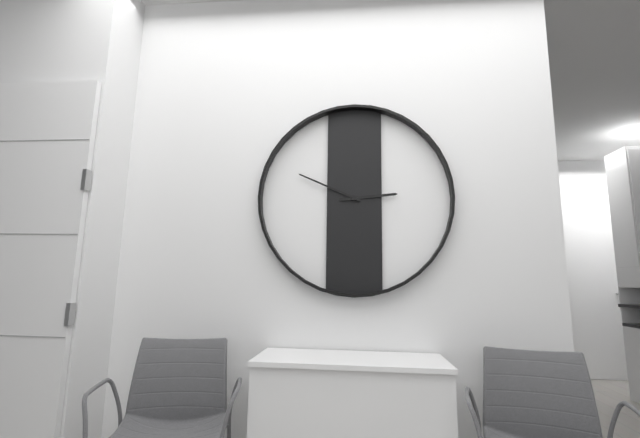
2:49
